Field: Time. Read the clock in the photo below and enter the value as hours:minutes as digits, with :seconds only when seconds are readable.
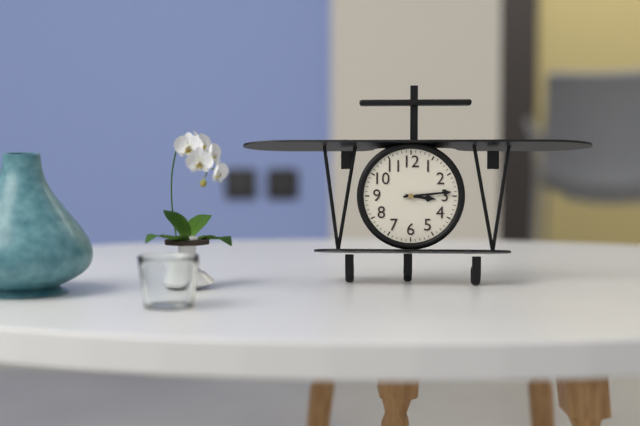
3:14
